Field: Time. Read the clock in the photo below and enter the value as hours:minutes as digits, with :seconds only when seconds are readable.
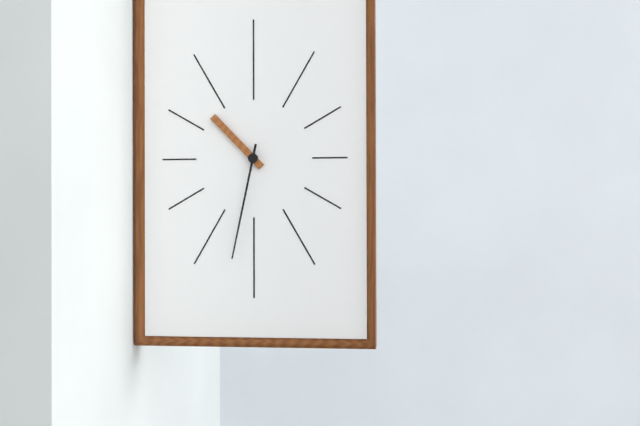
10:32
